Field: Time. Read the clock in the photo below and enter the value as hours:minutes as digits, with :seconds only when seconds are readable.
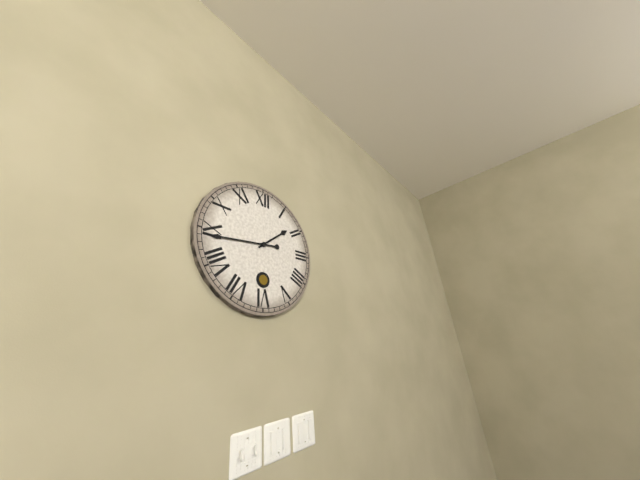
1:44
